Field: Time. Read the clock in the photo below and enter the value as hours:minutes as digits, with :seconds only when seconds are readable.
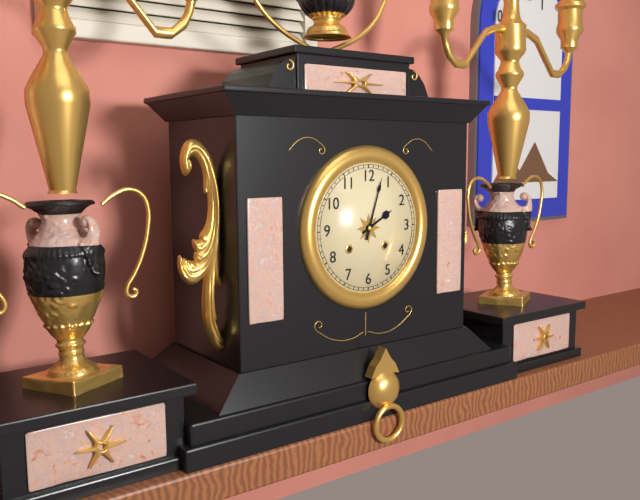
2:03
